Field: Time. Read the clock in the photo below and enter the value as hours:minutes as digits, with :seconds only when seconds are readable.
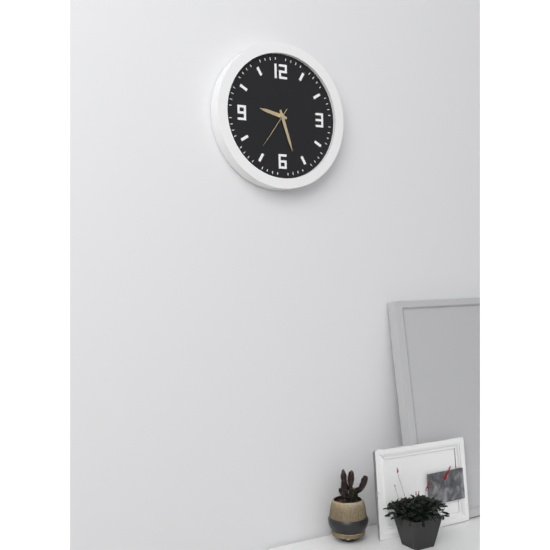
9:27
